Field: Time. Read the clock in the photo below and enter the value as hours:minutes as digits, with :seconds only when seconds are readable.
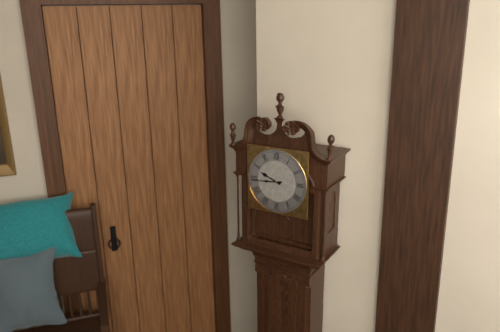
9:44
